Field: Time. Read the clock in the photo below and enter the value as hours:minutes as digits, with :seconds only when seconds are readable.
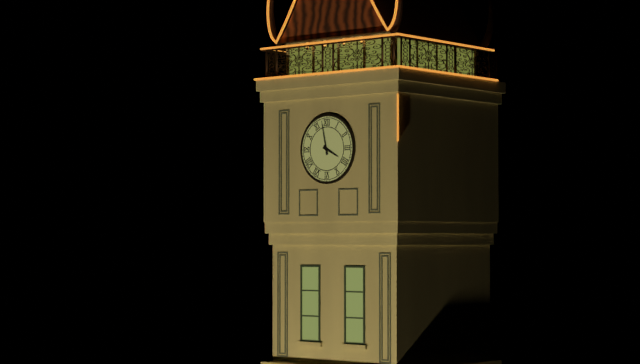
3:58
